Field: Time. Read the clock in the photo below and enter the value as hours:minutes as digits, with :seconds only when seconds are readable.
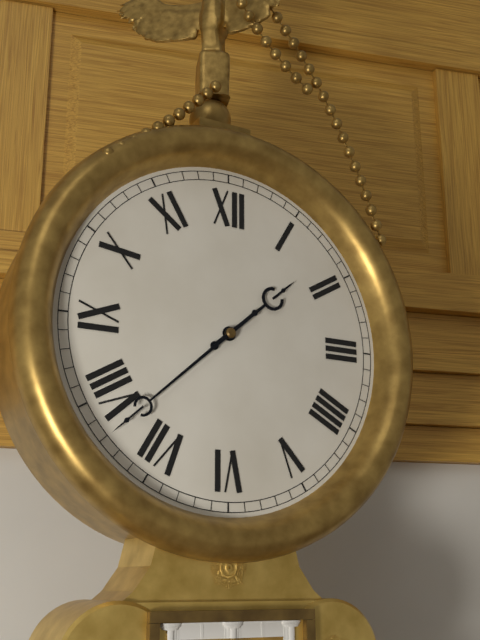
1:38
